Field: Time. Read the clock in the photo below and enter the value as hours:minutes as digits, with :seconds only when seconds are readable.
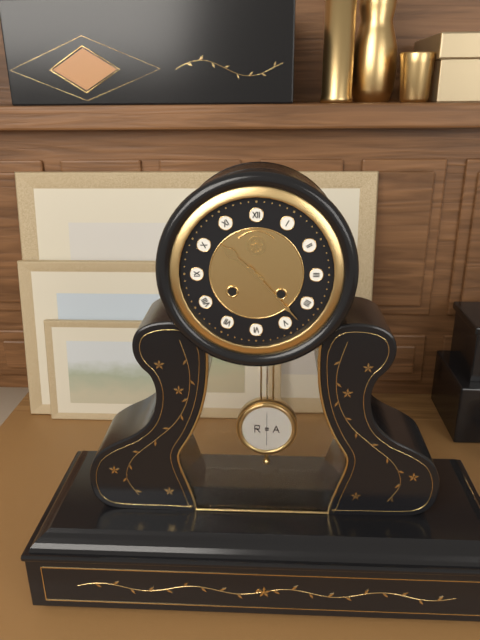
10:23
